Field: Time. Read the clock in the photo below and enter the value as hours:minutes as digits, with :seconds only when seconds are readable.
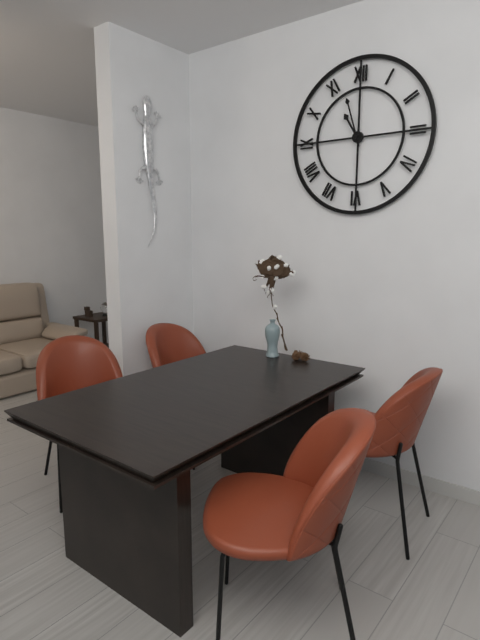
10:57
